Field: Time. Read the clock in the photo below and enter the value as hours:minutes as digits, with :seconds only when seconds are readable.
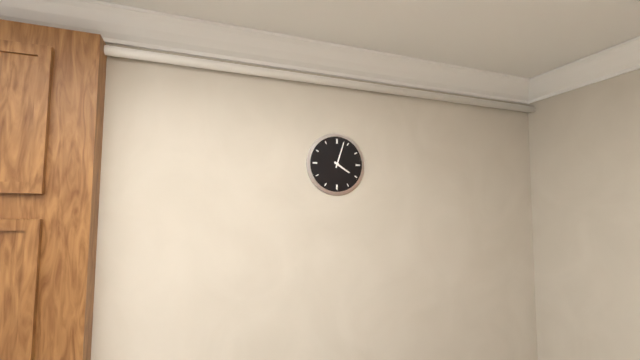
4:03
